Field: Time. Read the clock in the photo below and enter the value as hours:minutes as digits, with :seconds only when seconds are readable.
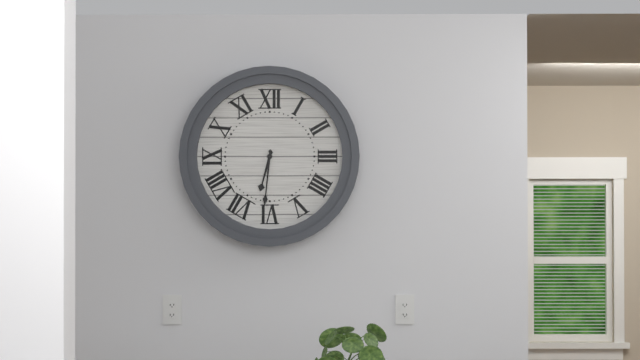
6:31
